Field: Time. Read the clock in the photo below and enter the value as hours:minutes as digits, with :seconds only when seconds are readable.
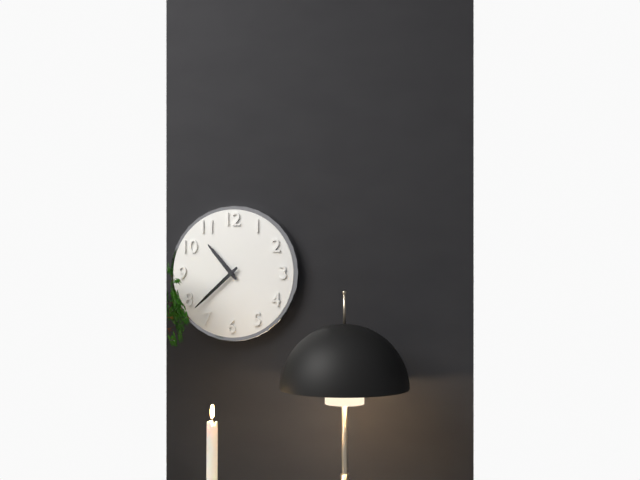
10:38
